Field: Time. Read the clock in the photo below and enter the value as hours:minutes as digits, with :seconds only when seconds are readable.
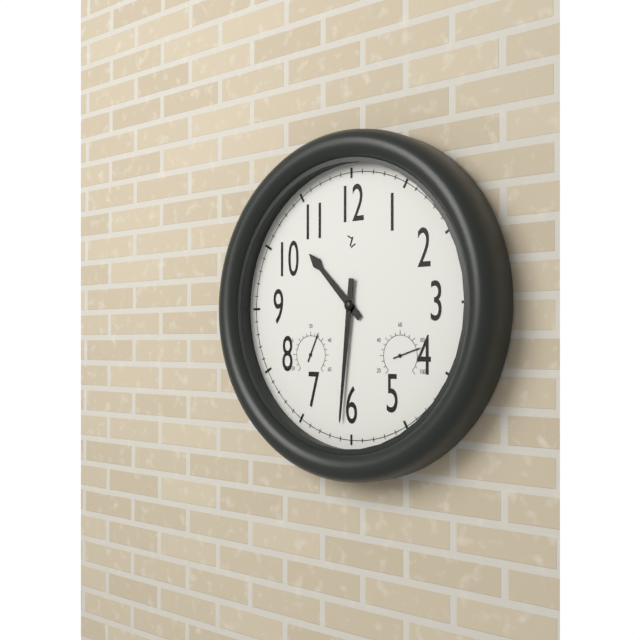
10:31
